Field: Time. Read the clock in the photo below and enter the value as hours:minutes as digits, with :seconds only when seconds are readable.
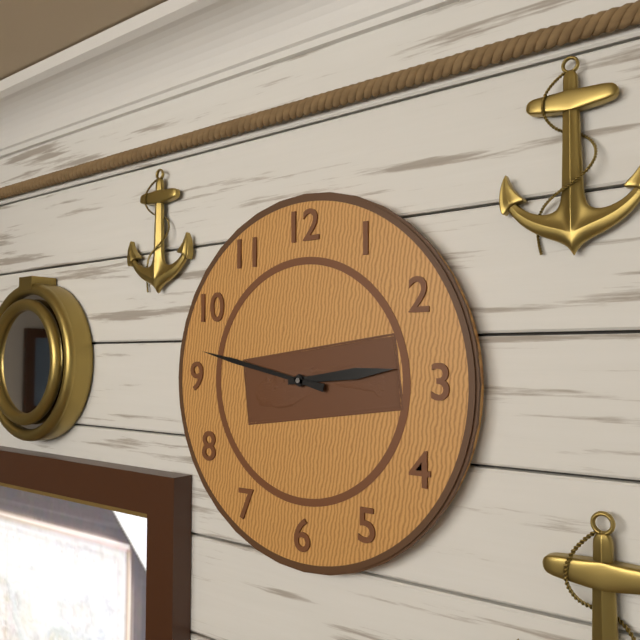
2:47
